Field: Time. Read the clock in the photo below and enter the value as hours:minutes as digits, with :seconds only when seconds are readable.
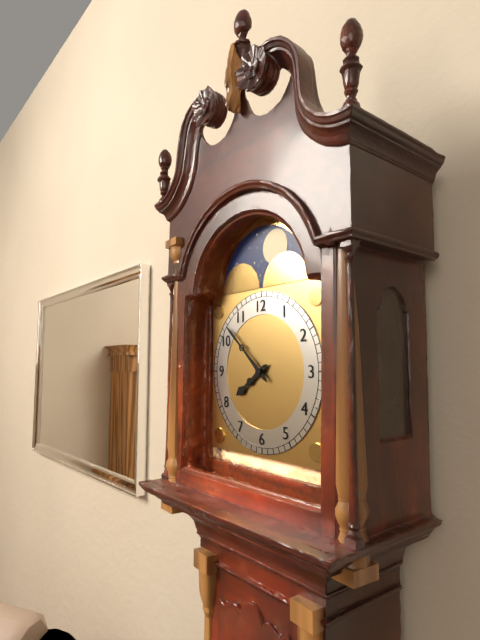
7:52
